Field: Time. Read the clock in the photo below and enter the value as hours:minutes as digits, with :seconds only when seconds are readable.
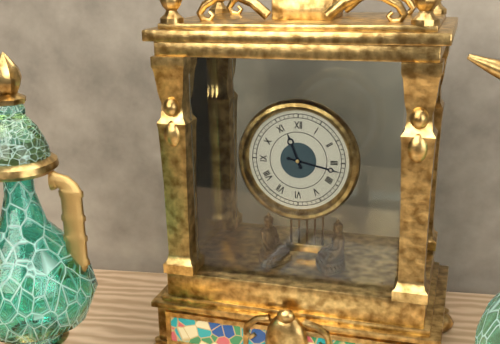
11:17
